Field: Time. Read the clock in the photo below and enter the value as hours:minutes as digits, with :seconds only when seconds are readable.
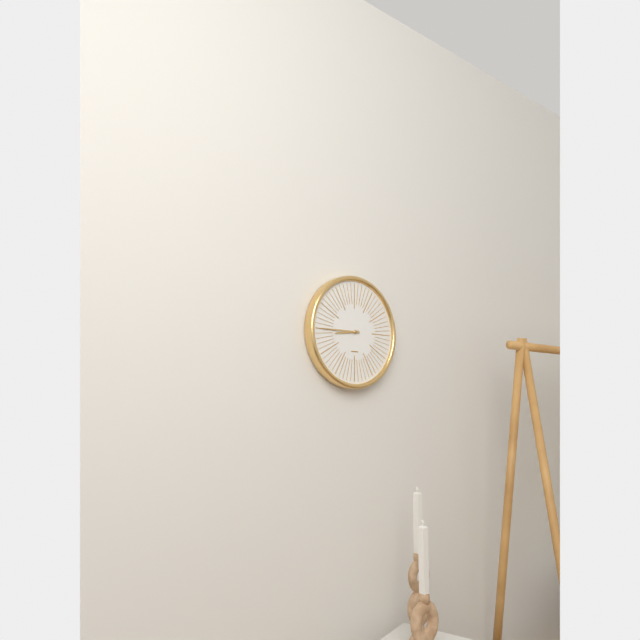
8:45
